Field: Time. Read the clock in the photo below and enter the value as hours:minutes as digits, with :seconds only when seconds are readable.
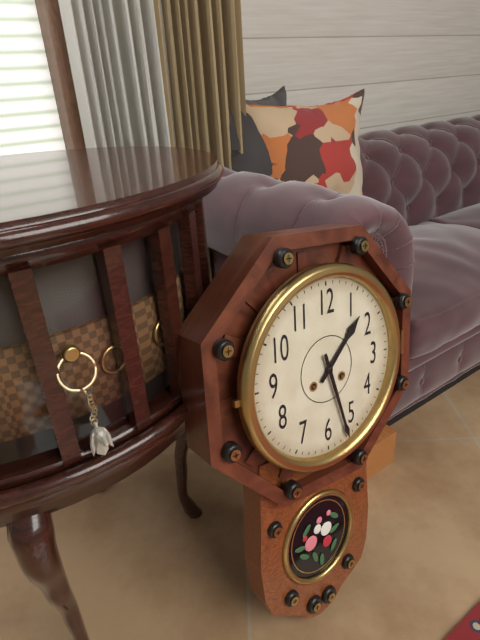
1:27
